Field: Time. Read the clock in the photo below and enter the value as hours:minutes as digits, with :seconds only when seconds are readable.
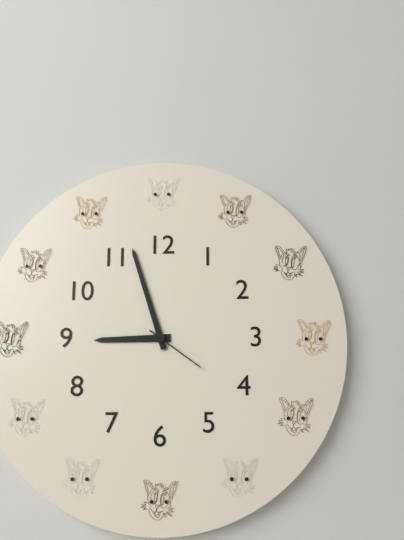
8:57:21
